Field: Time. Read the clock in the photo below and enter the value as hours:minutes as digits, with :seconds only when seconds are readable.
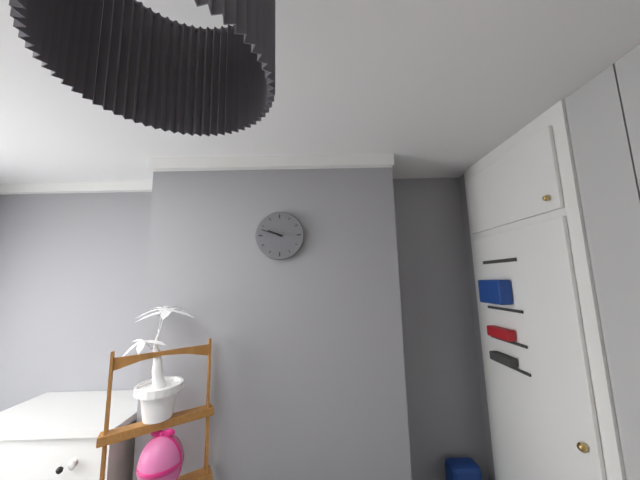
9:48
